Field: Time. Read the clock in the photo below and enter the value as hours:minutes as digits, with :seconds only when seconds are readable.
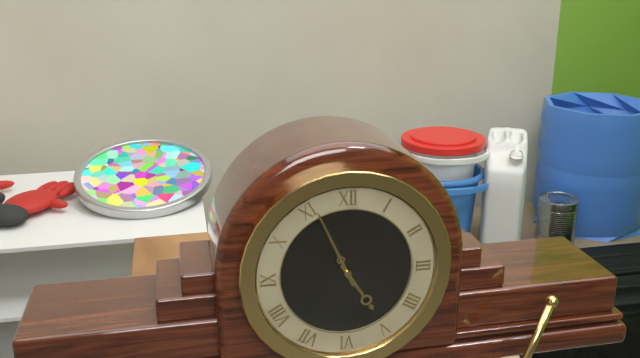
4:56
